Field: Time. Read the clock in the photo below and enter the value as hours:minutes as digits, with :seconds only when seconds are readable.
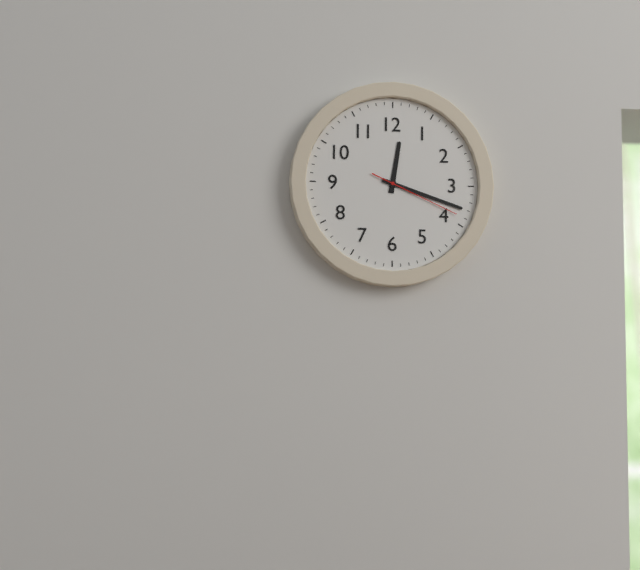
12:18:19
